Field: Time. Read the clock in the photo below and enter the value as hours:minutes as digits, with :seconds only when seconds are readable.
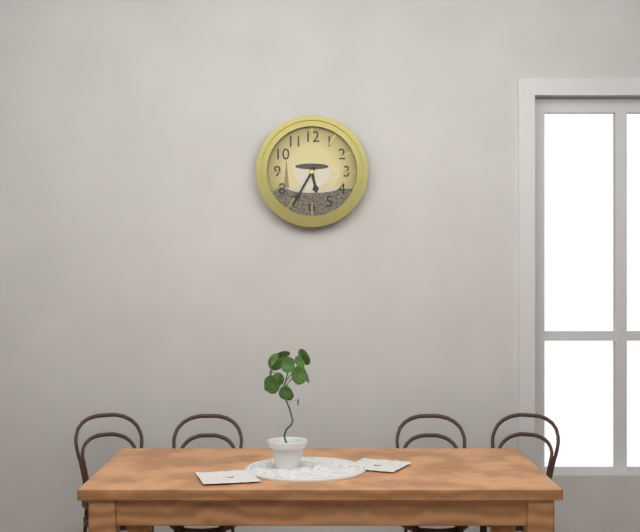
5:35
